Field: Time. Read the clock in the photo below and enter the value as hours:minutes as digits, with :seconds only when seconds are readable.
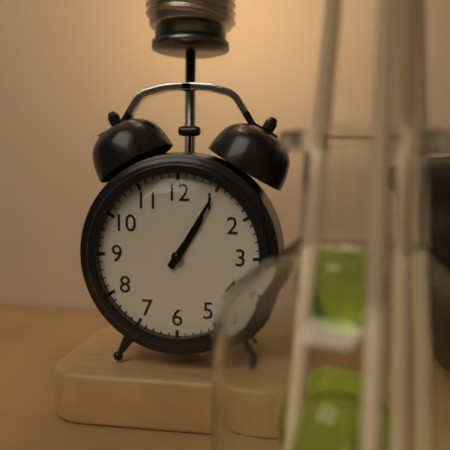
1:05
